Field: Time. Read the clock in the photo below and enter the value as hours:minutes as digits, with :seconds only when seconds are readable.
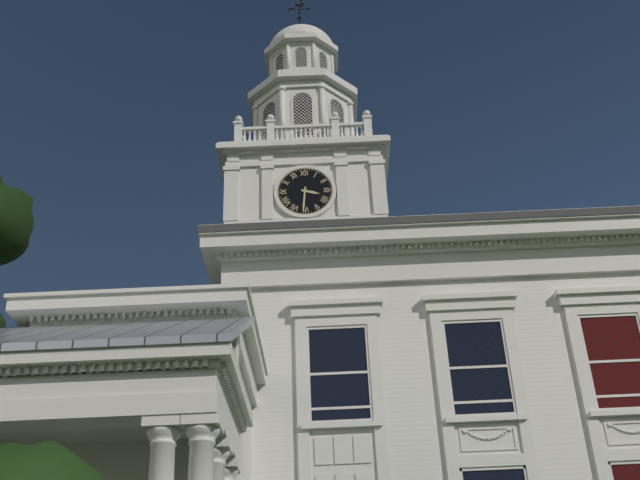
3:31
